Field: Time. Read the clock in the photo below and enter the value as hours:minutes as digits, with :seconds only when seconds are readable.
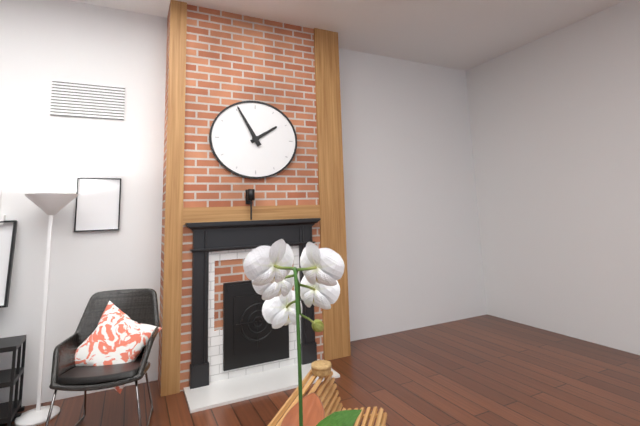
1:55
